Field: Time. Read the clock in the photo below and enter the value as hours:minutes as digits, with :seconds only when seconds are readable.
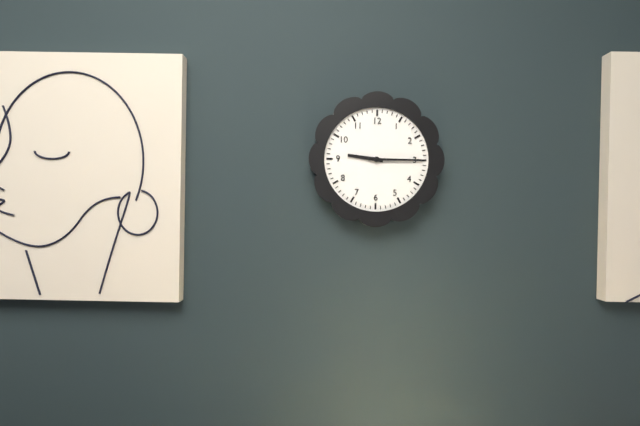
9:15
